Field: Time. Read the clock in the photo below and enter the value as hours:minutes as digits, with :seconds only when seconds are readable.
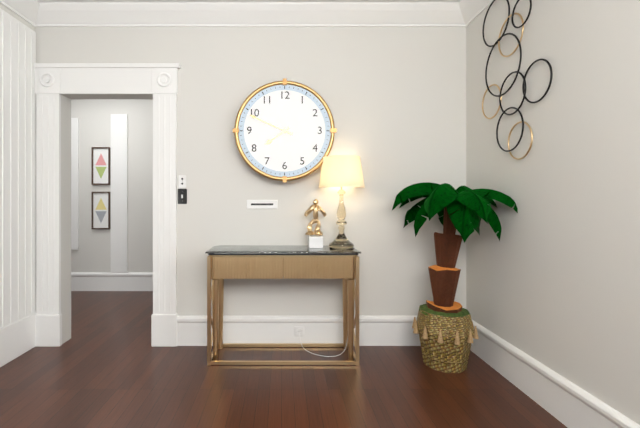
7:49
